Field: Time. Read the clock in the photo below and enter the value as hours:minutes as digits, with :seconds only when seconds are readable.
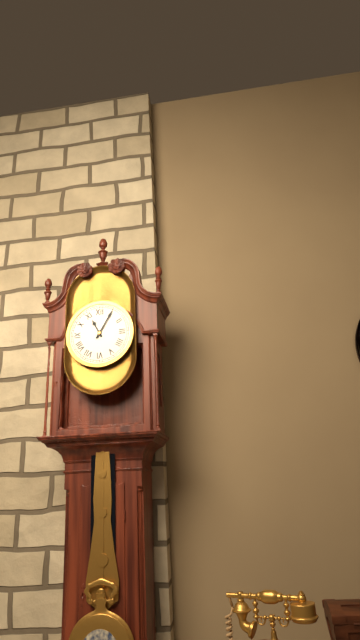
11:05
